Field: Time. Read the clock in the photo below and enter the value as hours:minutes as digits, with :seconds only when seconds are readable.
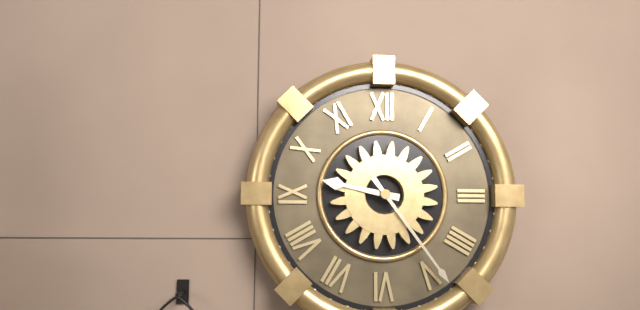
9:24
